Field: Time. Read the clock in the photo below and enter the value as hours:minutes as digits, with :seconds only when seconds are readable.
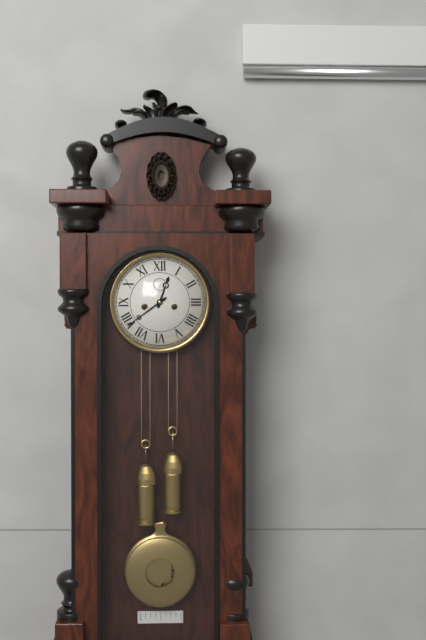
12:39
